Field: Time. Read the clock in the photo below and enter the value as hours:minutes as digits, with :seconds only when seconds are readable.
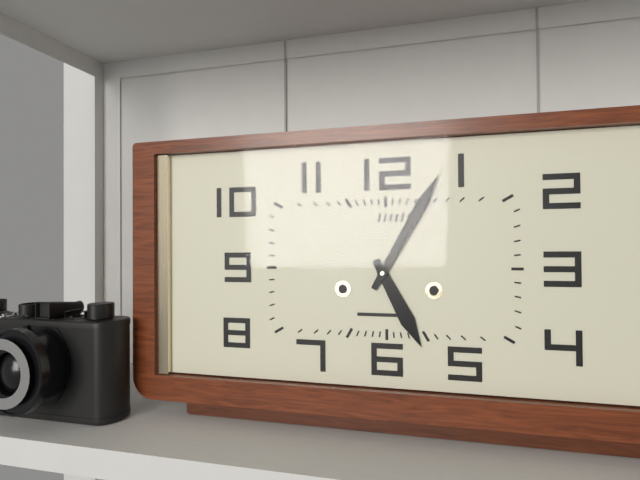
5:05
